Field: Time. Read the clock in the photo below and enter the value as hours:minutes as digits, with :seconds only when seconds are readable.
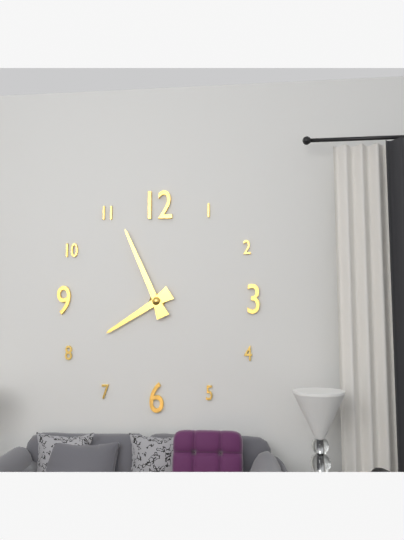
7:56
